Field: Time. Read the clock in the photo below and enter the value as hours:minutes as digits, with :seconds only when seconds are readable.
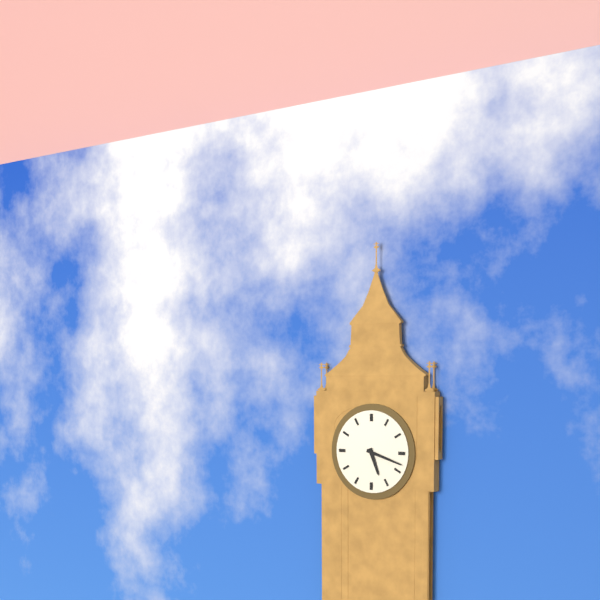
5:18
